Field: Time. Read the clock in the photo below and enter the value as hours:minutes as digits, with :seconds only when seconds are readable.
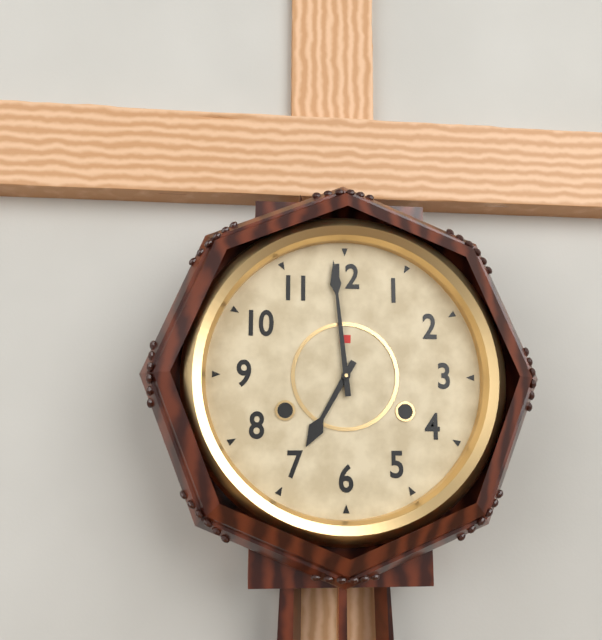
6:59
